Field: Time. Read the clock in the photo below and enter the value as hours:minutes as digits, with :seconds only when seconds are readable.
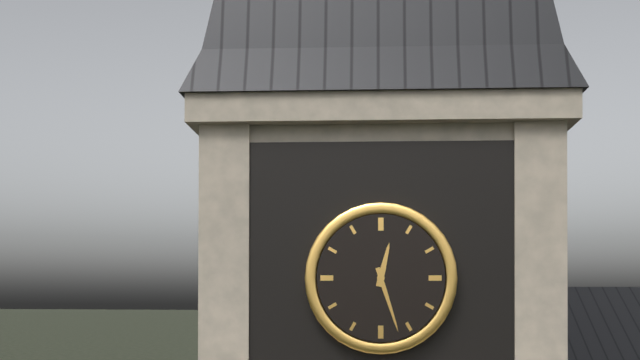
12:27
